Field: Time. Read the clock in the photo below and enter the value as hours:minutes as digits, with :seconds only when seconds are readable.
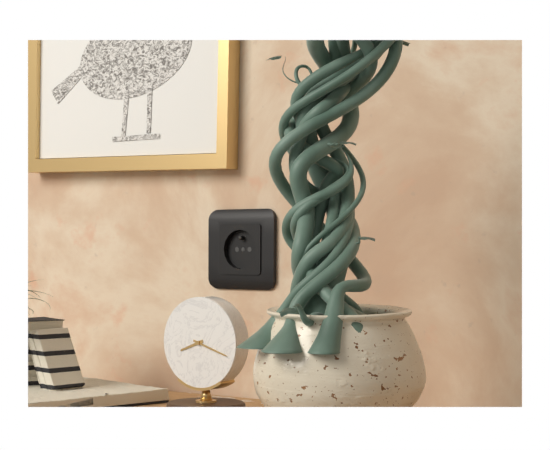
8:18
